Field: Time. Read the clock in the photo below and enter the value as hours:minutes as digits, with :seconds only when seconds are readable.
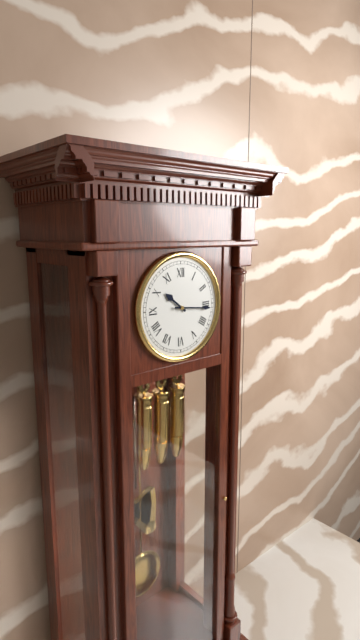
10:16
